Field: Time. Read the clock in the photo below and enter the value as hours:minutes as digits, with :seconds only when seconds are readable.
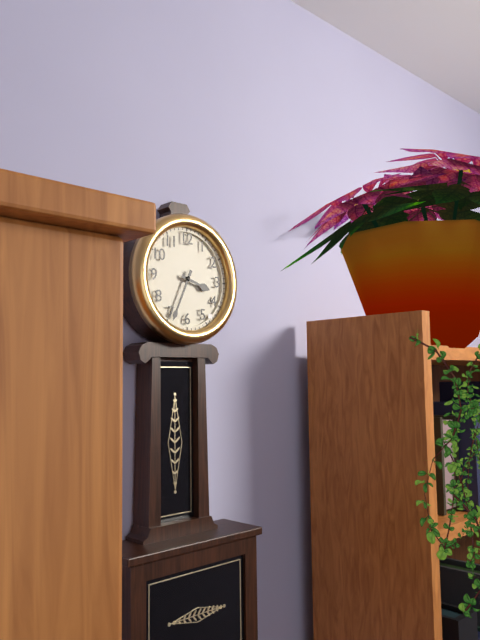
3:34
